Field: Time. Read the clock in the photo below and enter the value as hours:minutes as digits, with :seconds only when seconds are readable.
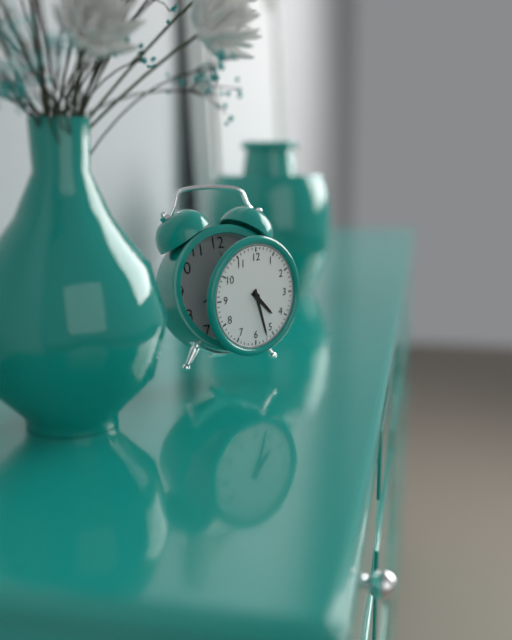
4:27
